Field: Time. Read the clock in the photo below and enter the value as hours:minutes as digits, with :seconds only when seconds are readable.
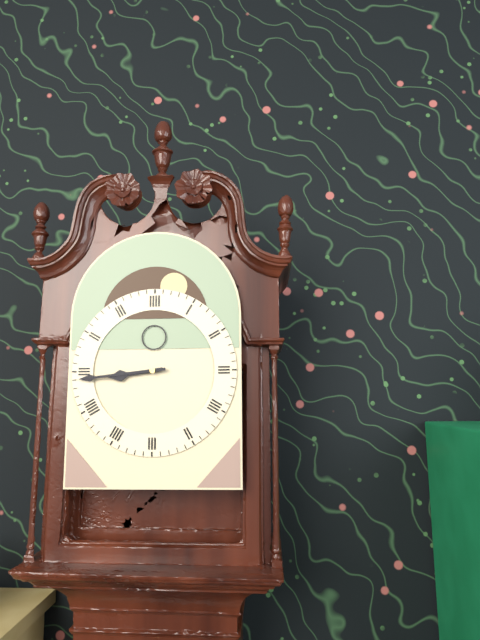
8:44
